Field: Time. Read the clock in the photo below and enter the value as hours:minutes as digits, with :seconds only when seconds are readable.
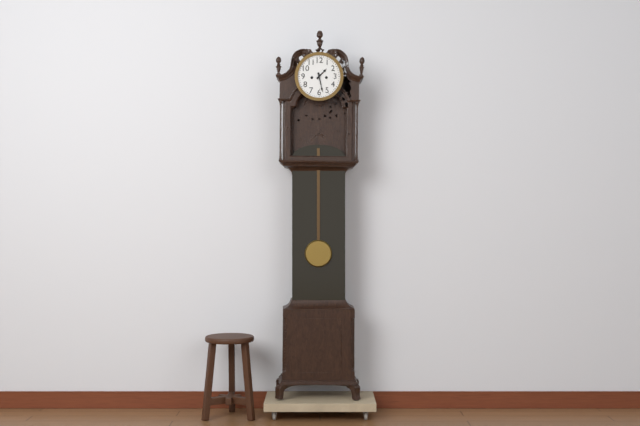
1:28
